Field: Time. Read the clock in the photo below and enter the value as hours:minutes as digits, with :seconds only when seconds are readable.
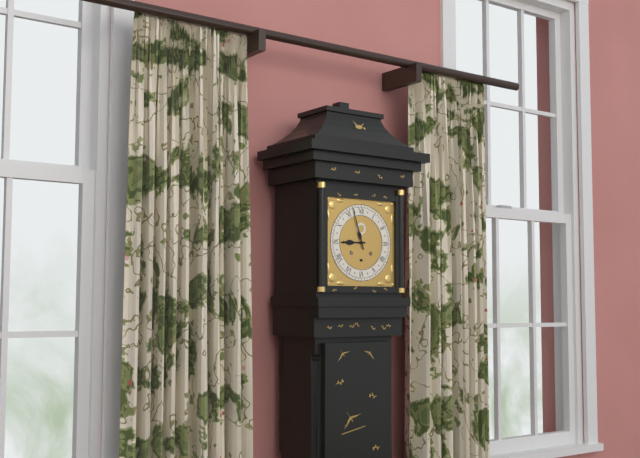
8:57
